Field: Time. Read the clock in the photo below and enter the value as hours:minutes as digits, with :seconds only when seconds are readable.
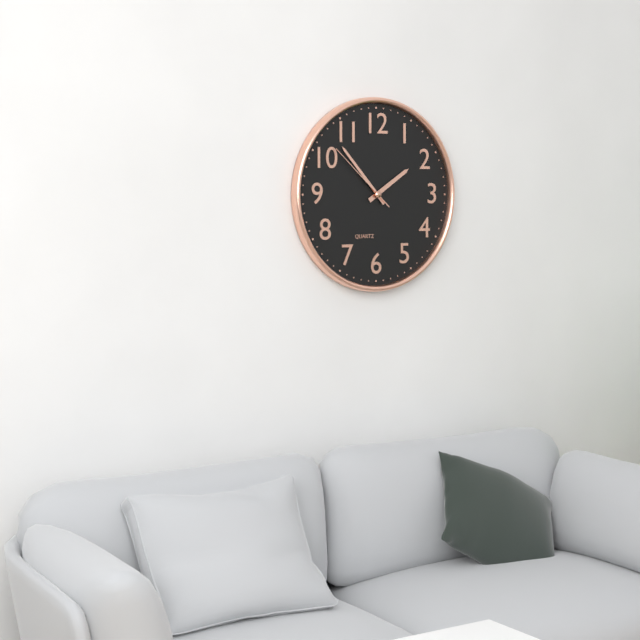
1:53:52
